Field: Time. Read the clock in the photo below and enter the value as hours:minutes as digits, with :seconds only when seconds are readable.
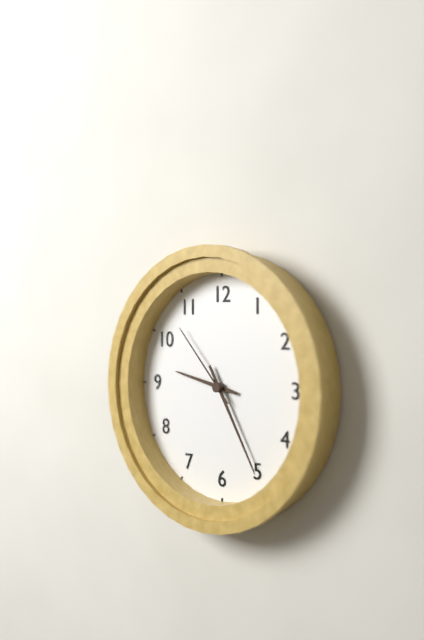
9:25:53
